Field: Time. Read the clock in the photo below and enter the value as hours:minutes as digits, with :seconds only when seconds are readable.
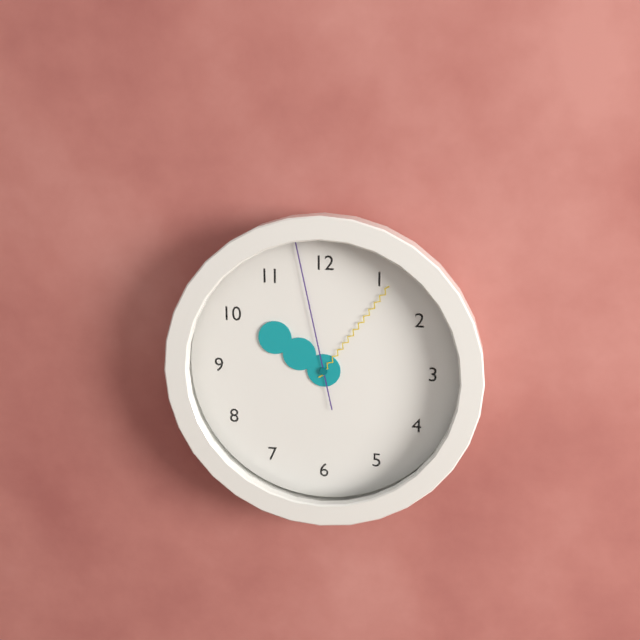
10:06:58
